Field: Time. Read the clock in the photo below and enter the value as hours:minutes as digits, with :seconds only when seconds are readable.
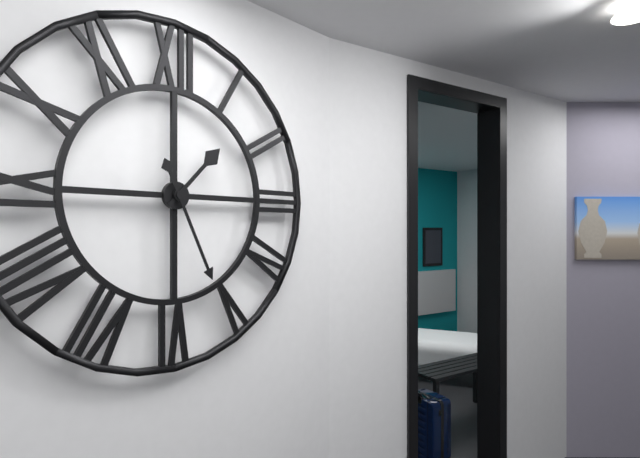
1:26
